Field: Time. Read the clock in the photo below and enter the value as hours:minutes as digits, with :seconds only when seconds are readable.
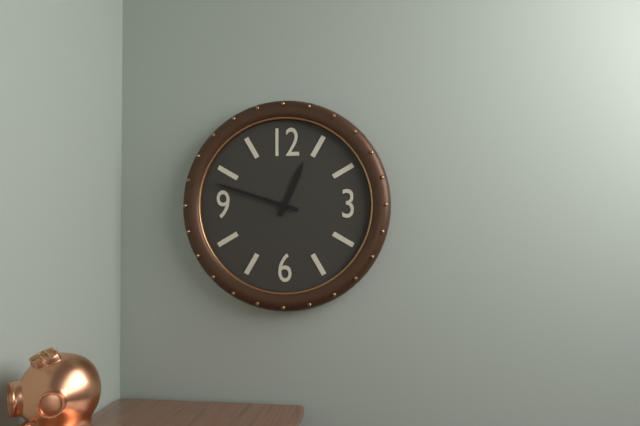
12:48
